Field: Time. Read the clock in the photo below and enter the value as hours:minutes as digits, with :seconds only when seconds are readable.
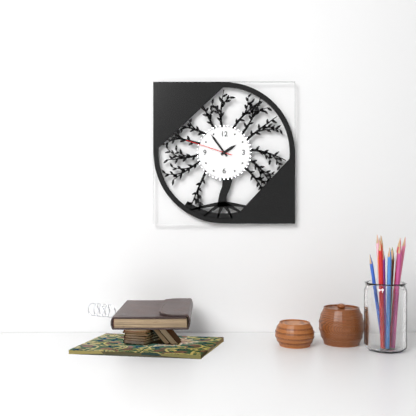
1:54
